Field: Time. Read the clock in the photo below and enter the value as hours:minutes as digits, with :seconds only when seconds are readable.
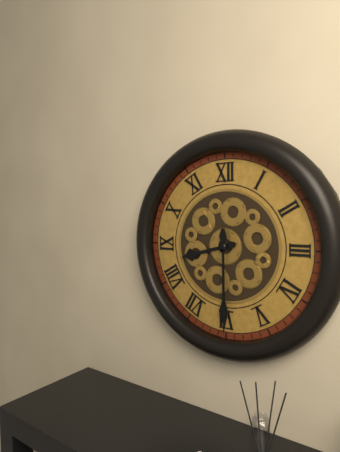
8:30
